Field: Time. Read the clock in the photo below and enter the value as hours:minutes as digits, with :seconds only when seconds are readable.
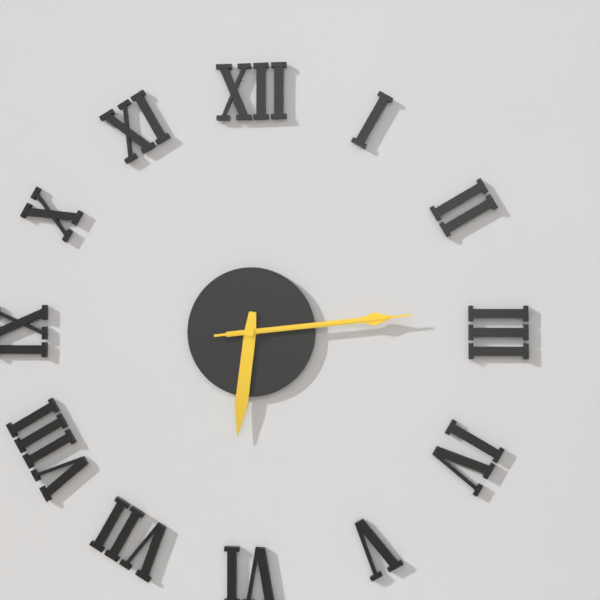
6:14:14
